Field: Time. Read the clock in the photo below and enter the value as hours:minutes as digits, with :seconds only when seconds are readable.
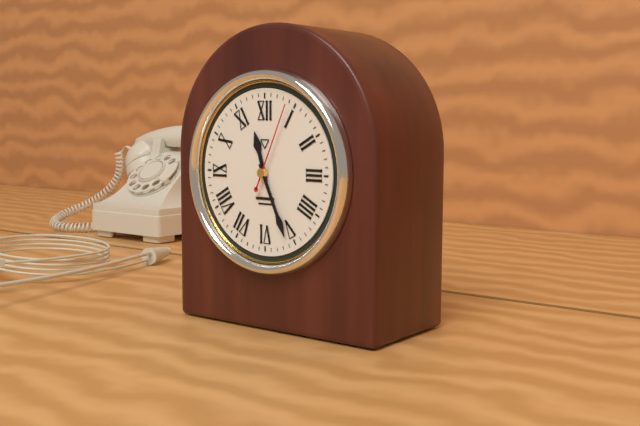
11:26:04
